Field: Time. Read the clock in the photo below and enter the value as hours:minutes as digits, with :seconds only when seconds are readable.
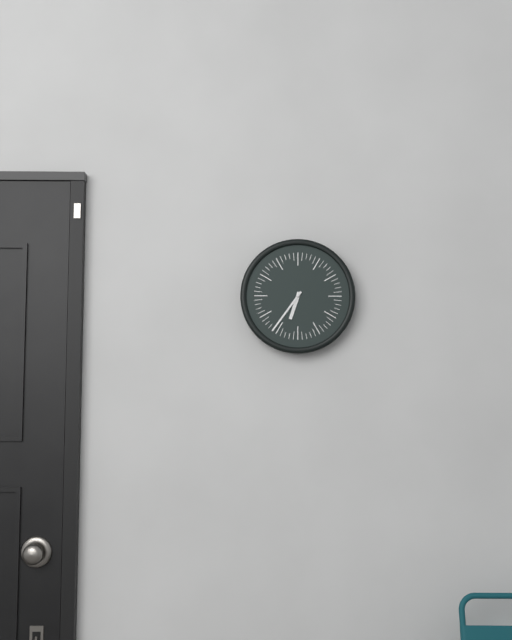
6:36
